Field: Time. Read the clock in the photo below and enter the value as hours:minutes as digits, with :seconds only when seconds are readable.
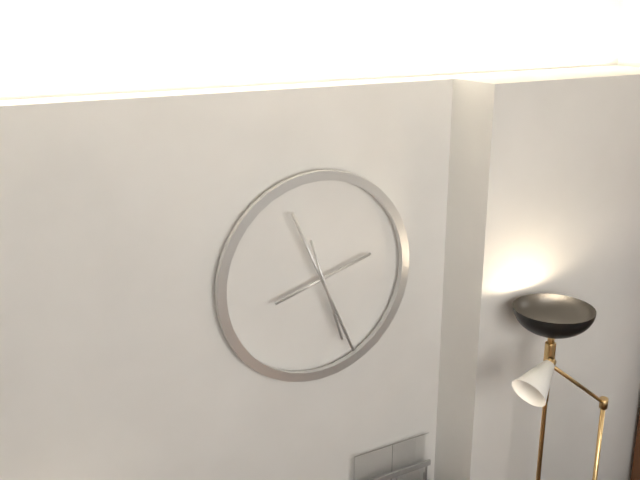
2:26:27
